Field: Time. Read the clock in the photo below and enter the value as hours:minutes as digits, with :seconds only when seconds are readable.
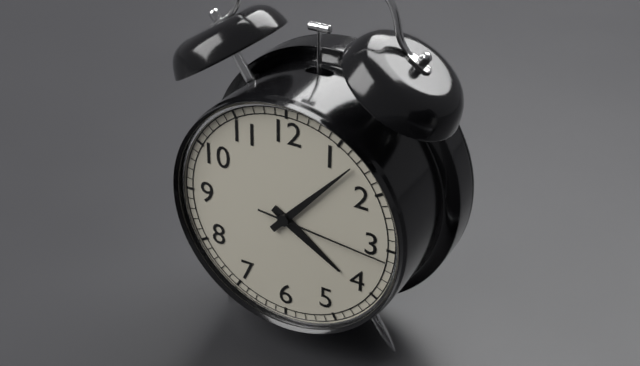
4:07:16
